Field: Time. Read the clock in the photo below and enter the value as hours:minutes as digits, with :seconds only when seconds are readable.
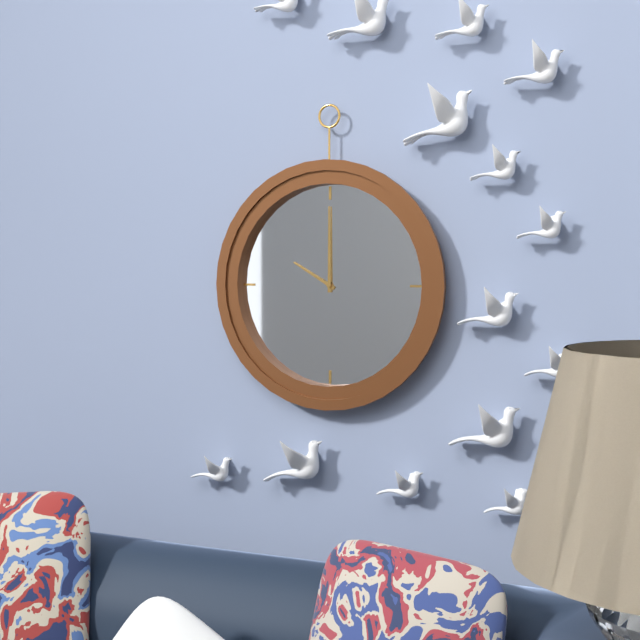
10:00
